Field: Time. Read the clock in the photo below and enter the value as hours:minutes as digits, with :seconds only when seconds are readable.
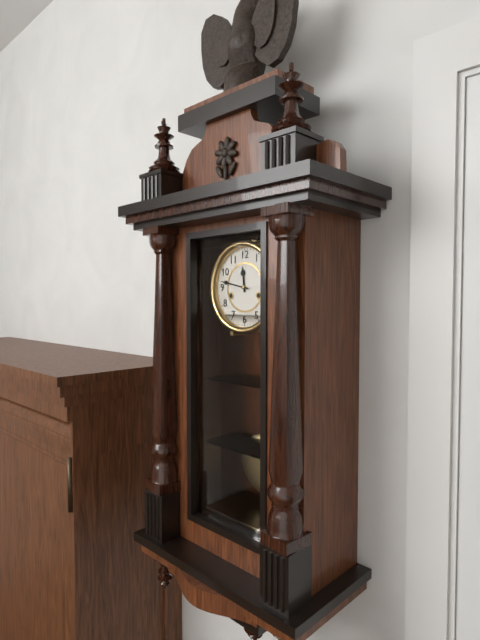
11:47
